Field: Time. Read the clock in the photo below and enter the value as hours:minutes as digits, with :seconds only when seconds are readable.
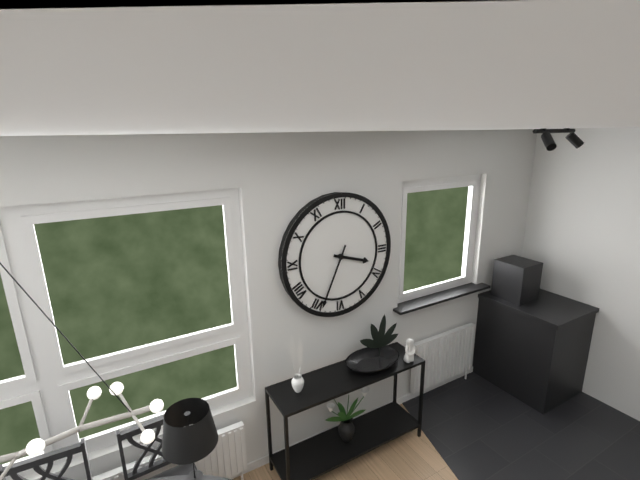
3:34
